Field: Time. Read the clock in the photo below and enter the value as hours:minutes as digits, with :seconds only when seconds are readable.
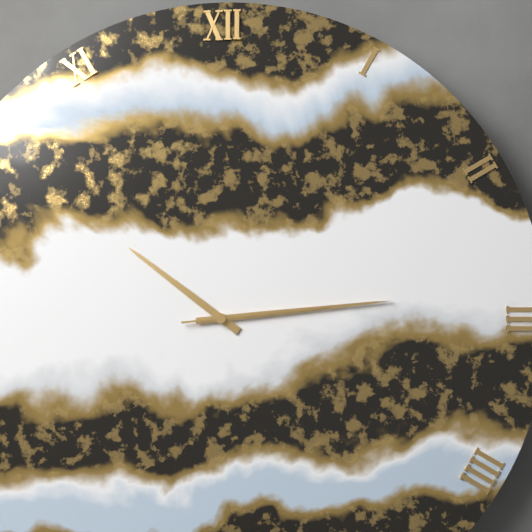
10:14:14
